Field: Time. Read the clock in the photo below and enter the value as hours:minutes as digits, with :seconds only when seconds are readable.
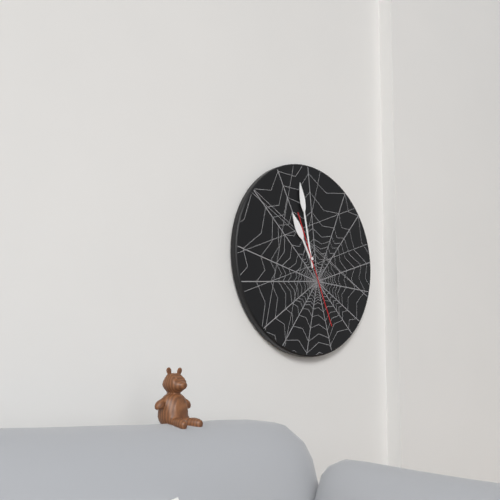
10:58:26
